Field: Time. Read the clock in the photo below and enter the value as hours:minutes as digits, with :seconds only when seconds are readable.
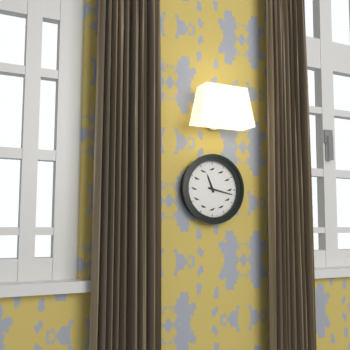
11:17
